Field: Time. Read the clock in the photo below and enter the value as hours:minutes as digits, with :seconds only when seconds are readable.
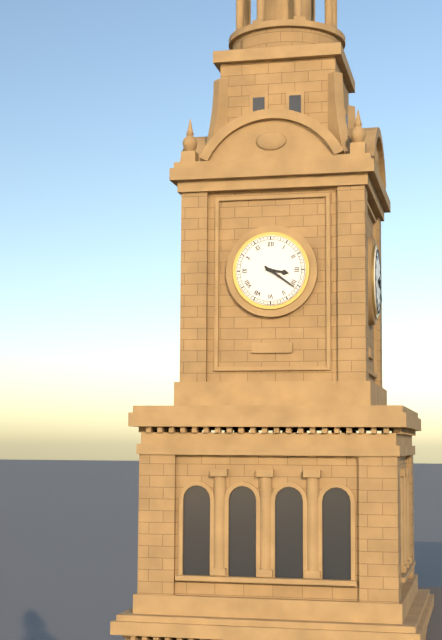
3:21
